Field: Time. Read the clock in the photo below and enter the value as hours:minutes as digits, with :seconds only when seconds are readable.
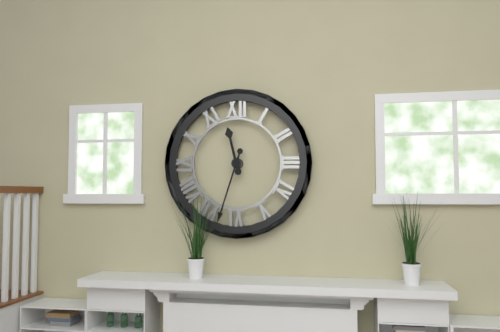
11:33
